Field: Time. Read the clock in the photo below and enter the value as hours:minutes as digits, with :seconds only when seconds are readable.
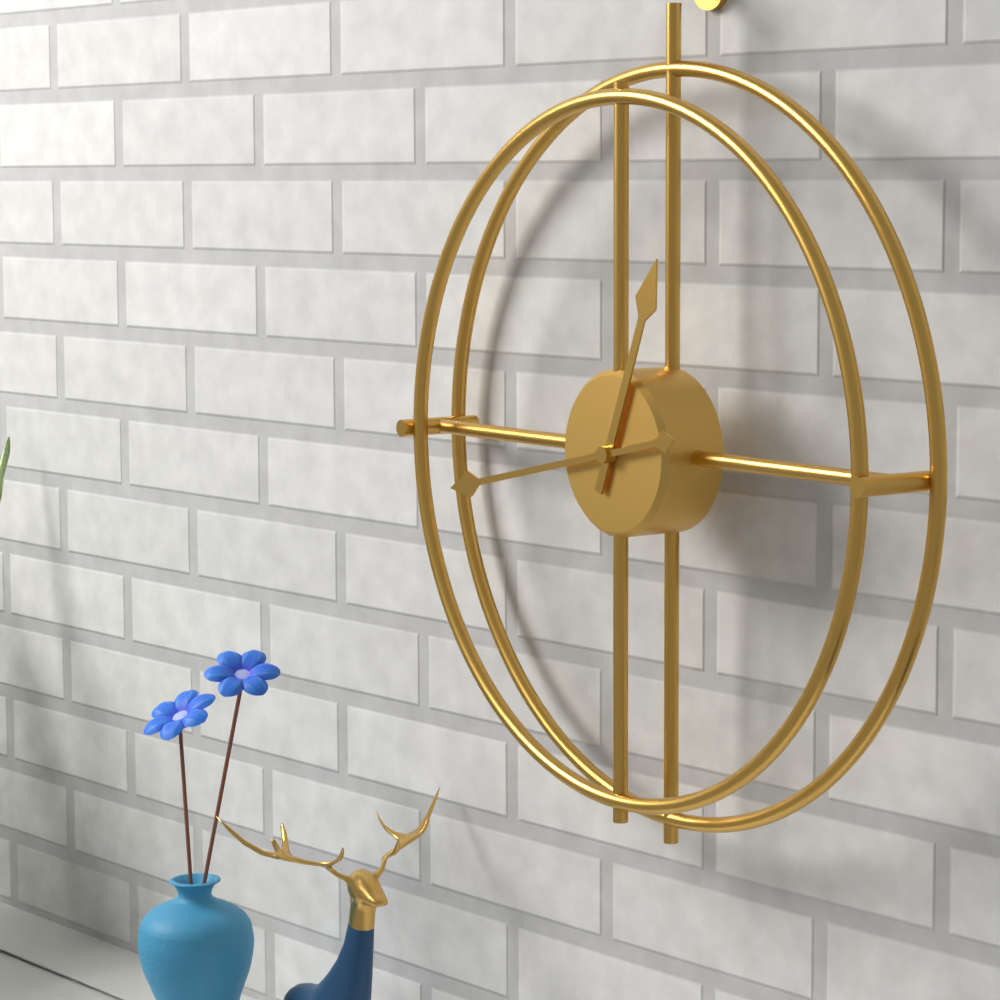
12:43
